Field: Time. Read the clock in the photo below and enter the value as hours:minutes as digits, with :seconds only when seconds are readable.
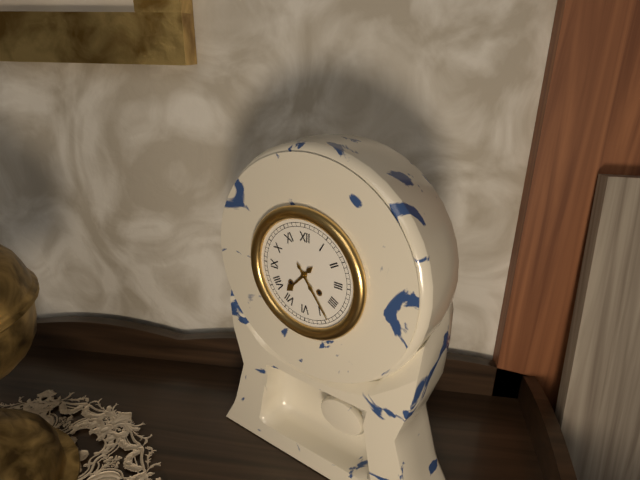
7:24
